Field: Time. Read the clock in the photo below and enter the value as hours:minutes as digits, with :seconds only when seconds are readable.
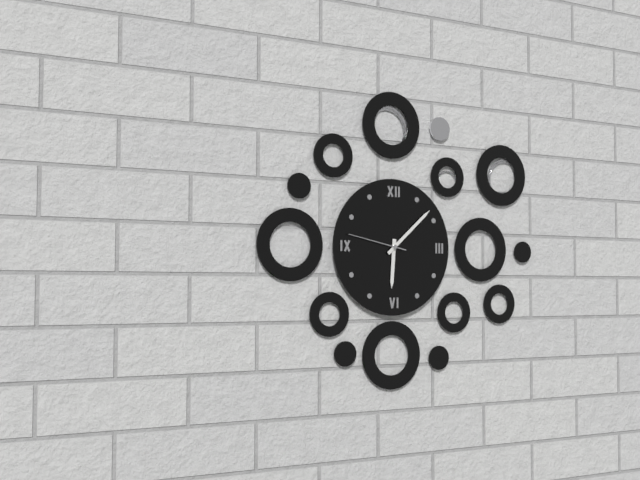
6:08:47
